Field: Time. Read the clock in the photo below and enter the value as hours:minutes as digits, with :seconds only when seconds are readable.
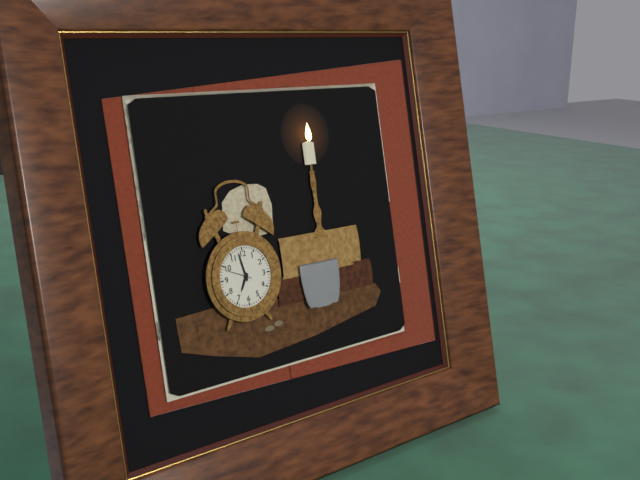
6:58
